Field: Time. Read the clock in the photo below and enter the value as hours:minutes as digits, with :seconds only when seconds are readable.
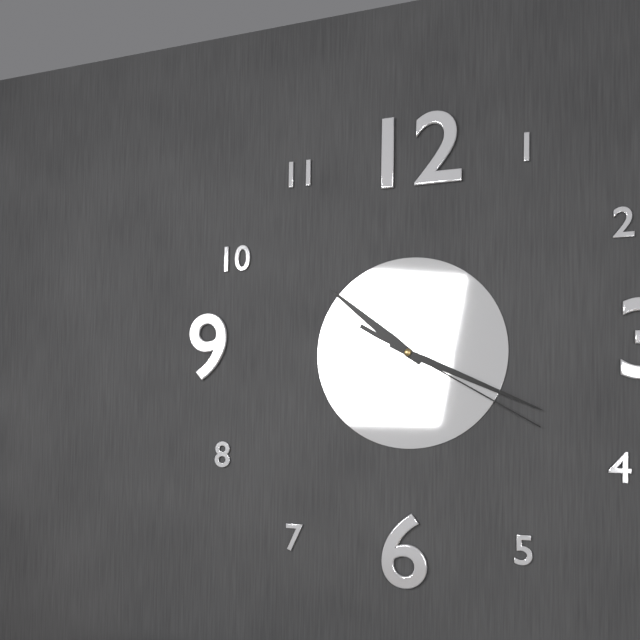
10:19:20
